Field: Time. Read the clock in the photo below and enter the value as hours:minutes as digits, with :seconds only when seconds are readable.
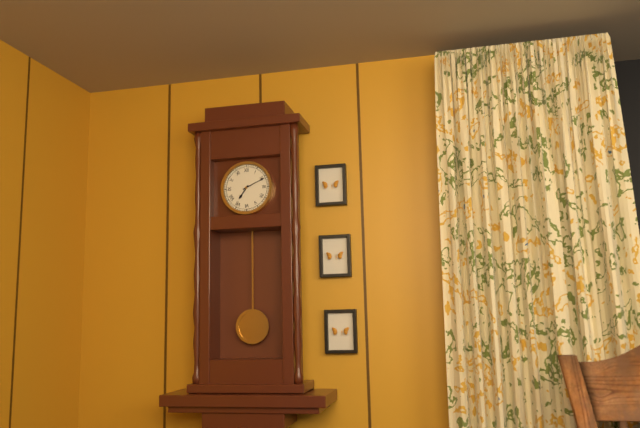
7:11
